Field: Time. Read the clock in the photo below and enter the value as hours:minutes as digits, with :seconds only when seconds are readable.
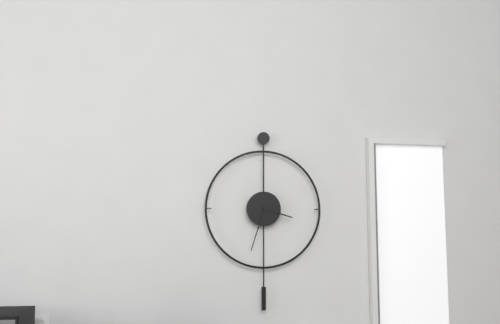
3:33
